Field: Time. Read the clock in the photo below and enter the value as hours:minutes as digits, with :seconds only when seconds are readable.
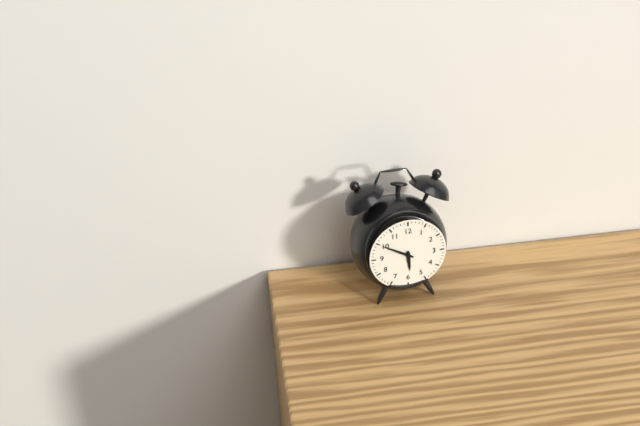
5:50
